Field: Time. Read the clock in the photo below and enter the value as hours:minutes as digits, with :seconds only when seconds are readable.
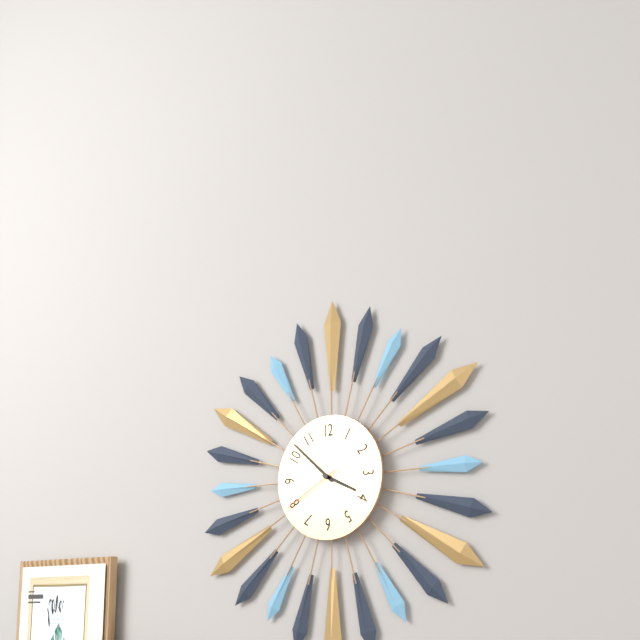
3:52:40
